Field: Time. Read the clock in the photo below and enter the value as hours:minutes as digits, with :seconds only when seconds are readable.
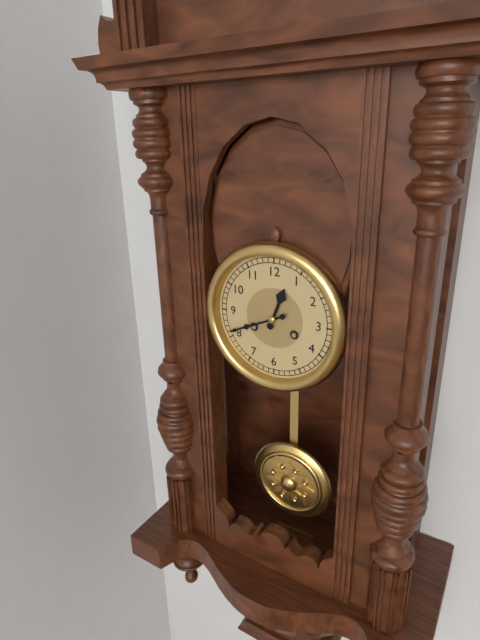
12:41
